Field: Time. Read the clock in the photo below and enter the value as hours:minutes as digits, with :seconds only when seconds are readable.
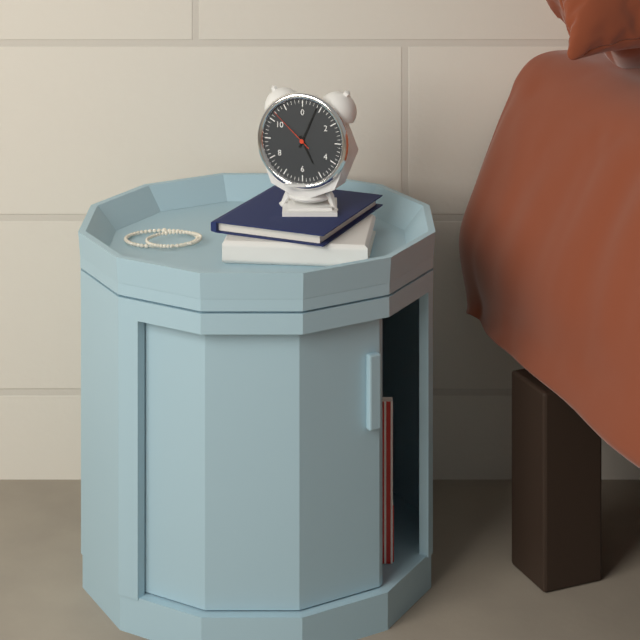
5:04:52
